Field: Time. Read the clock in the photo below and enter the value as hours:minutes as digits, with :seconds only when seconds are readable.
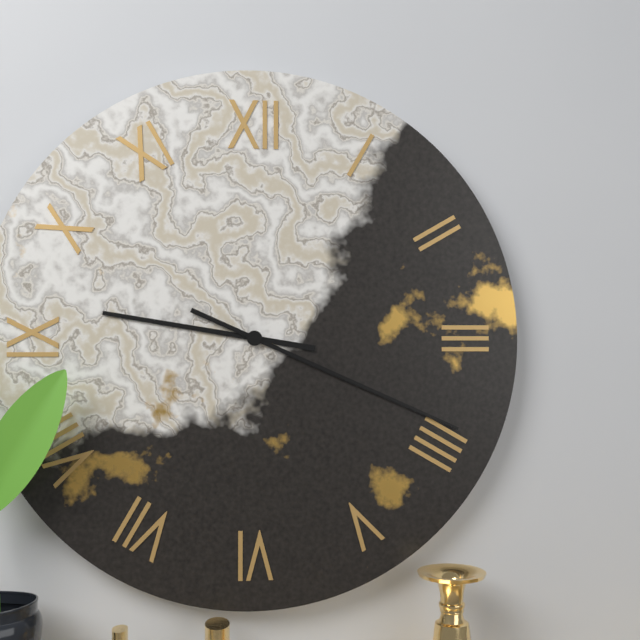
9:19
